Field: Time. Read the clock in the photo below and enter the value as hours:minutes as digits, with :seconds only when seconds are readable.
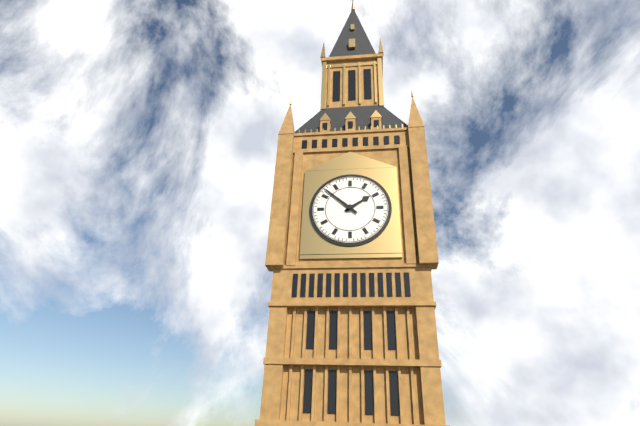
1:52
